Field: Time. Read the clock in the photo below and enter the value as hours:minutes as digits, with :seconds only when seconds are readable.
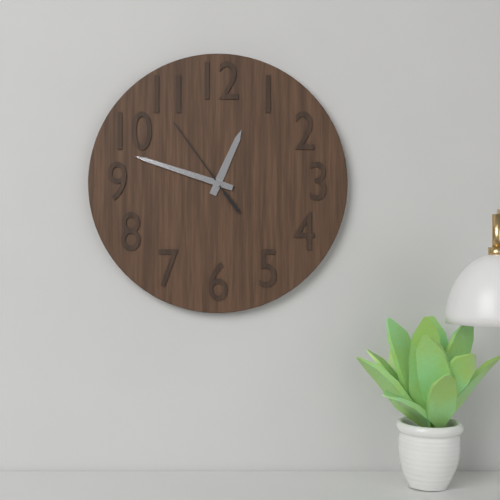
12:48:54
